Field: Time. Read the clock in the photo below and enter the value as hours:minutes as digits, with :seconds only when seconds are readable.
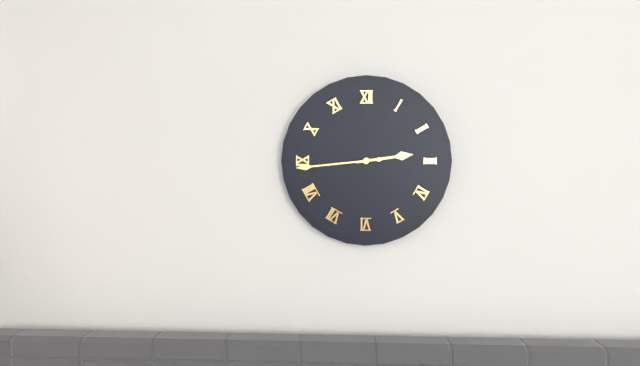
2:44
